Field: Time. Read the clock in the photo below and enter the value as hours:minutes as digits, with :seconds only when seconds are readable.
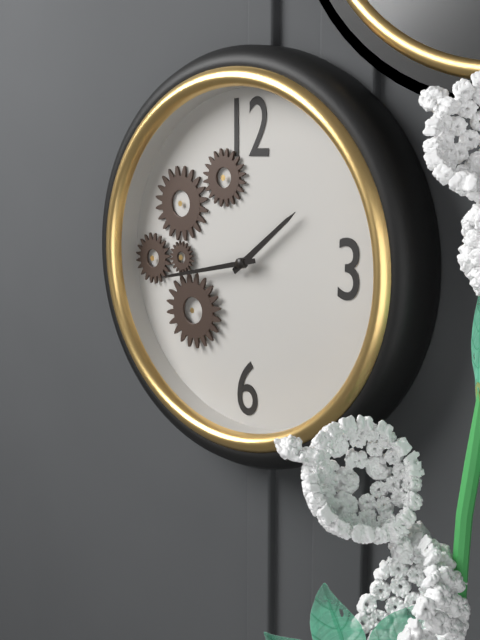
1:43
